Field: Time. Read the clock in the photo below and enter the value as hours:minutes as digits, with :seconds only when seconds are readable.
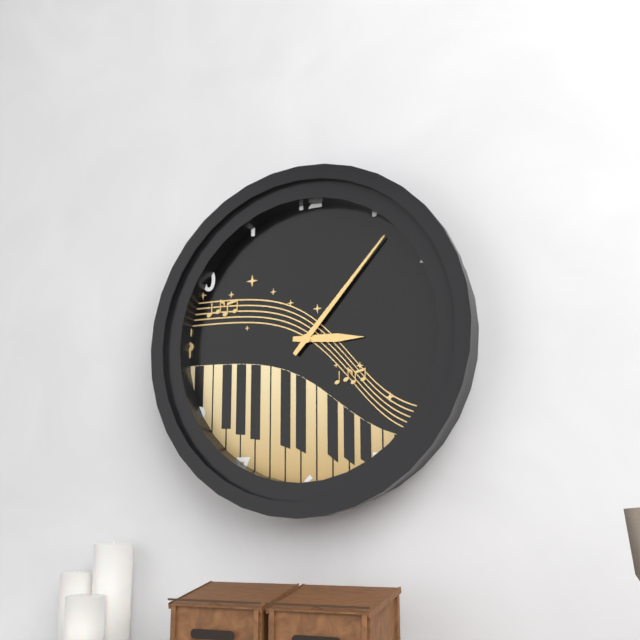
3:07
